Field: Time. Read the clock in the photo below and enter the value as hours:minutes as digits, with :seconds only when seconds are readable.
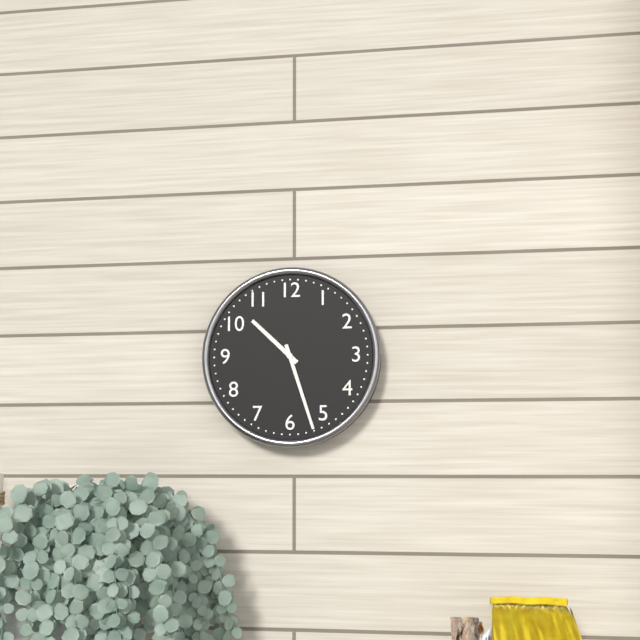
10:27
